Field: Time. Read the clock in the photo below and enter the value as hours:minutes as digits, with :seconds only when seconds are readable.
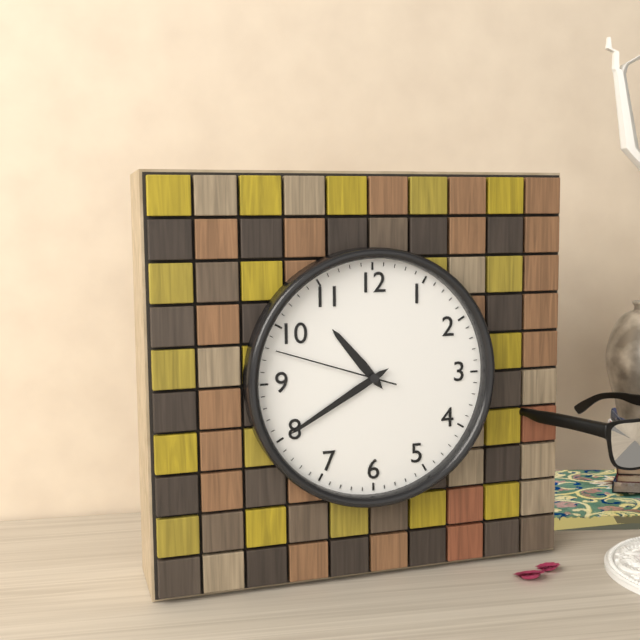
10:40:48
